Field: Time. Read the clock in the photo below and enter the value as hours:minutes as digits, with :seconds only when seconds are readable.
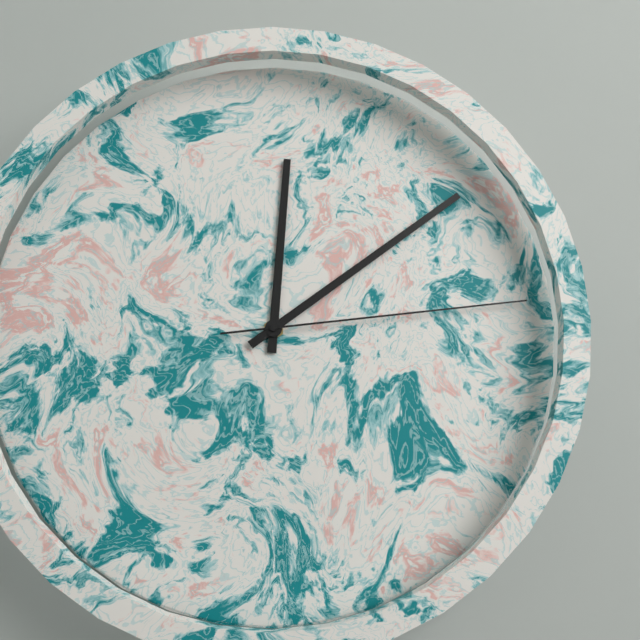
12:09:14
